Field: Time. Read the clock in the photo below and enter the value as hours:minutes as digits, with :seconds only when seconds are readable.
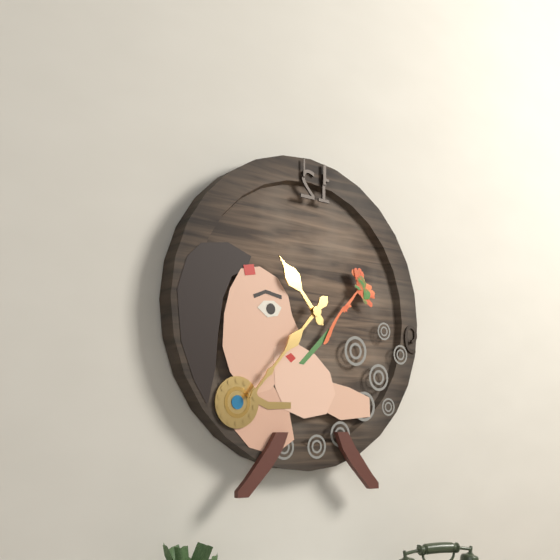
10:37
